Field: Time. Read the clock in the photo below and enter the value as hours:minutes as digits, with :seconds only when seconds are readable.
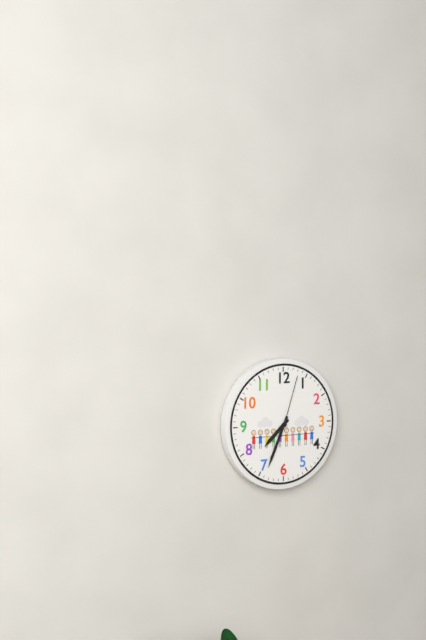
7:34:03
